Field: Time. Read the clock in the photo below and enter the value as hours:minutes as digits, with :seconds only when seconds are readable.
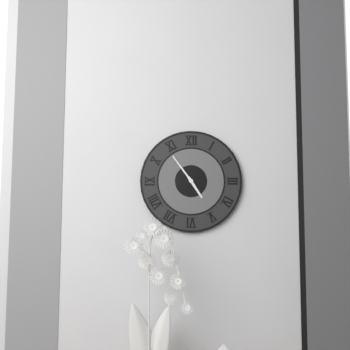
4:54
